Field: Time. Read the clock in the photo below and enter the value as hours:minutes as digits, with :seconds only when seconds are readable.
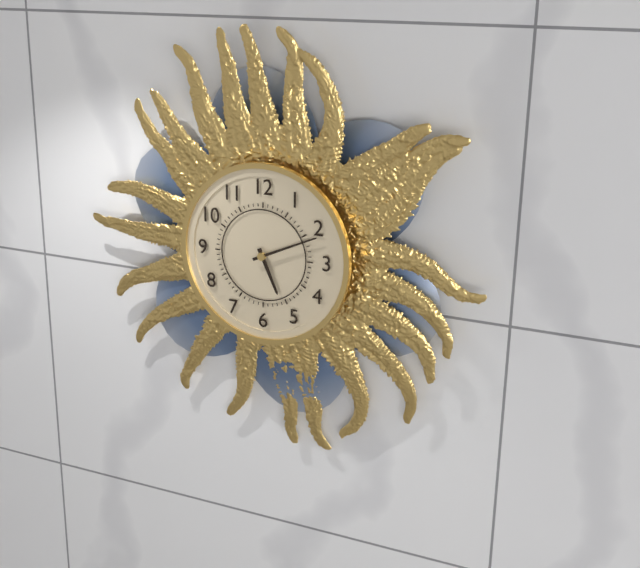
5:11
